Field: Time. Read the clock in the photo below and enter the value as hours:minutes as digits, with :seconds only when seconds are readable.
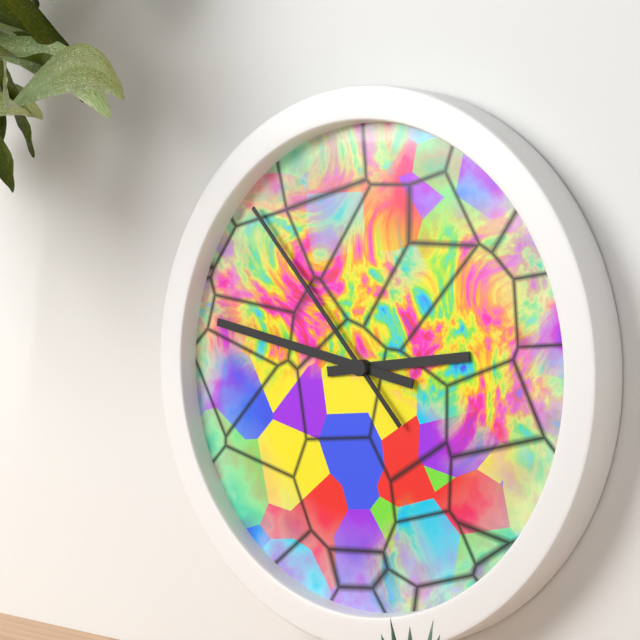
2:47:53
